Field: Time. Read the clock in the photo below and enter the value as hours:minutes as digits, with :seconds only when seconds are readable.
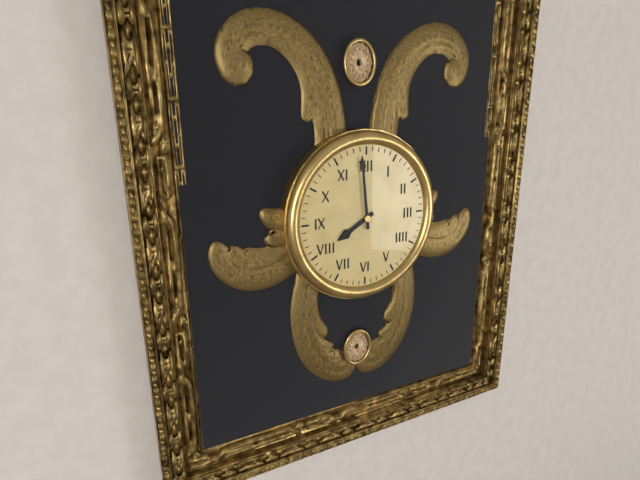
7:59
